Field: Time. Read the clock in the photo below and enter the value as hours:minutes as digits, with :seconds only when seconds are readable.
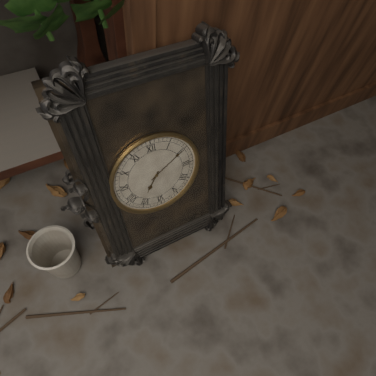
7:10
